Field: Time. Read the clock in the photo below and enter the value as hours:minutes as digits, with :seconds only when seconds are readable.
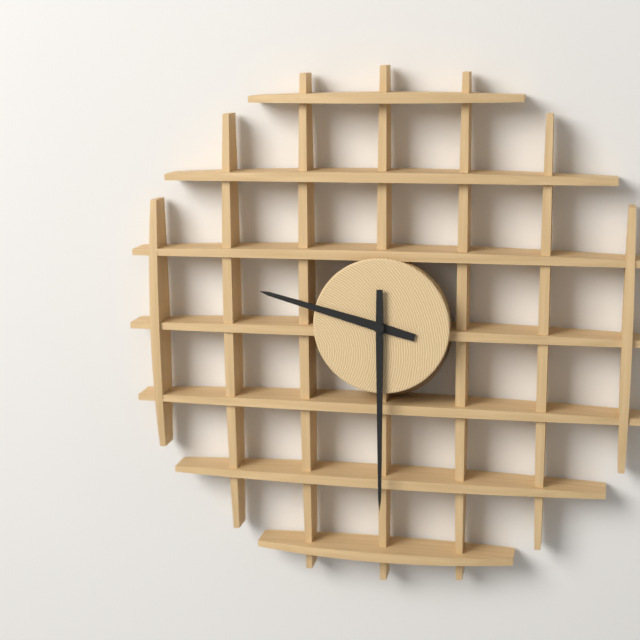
9:30
